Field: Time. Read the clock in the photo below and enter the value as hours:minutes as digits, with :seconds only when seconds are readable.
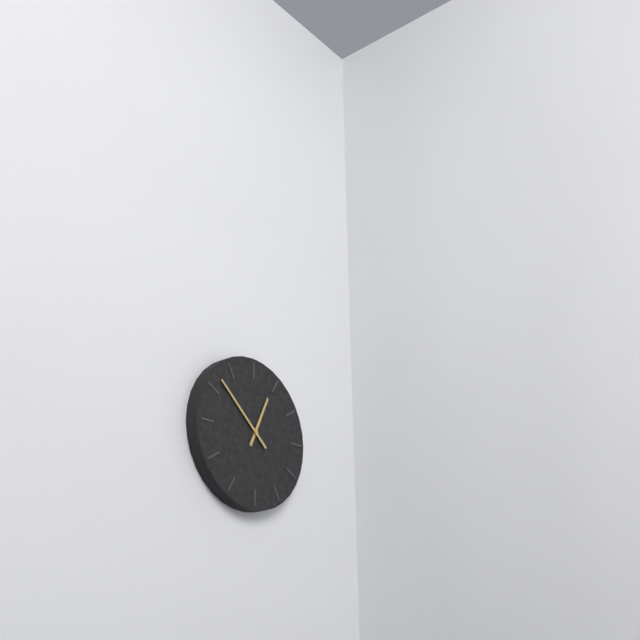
12:52
